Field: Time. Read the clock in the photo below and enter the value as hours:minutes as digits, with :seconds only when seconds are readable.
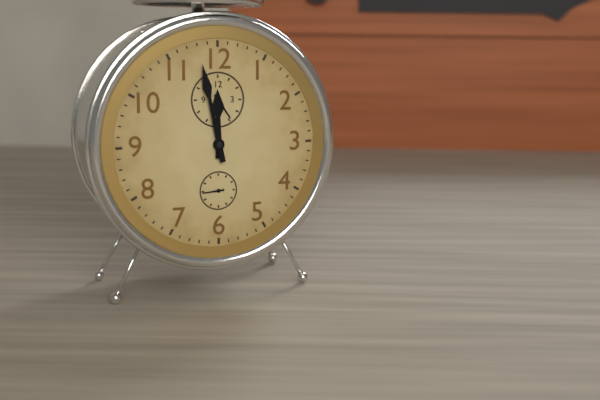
11:58
